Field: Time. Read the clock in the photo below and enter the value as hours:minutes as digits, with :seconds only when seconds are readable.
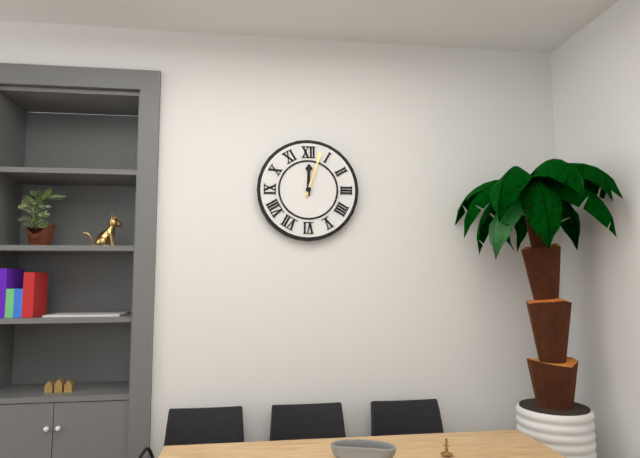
12:03
